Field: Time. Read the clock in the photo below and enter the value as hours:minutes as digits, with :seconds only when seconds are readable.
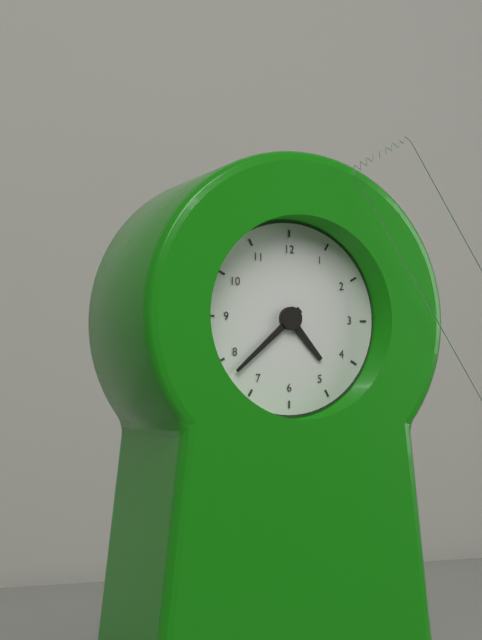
4:38
